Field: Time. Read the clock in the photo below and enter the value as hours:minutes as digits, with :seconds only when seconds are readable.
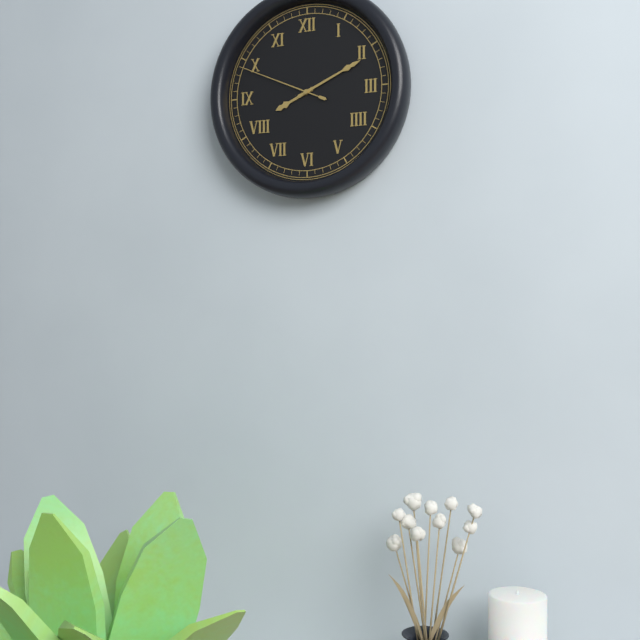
8:11:49
